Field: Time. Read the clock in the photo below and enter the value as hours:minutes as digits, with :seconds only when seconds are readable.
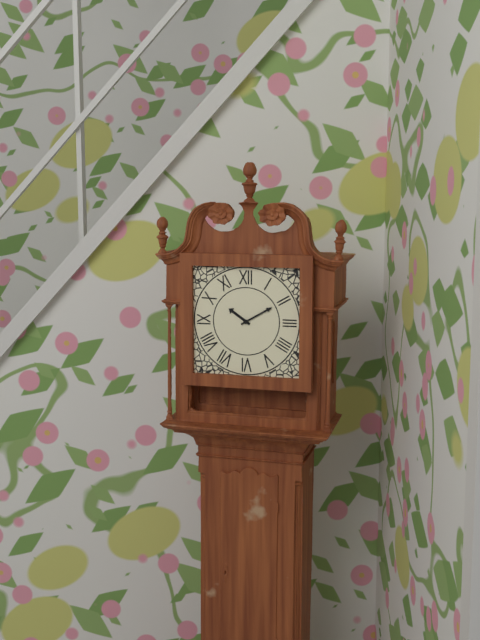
10:10
